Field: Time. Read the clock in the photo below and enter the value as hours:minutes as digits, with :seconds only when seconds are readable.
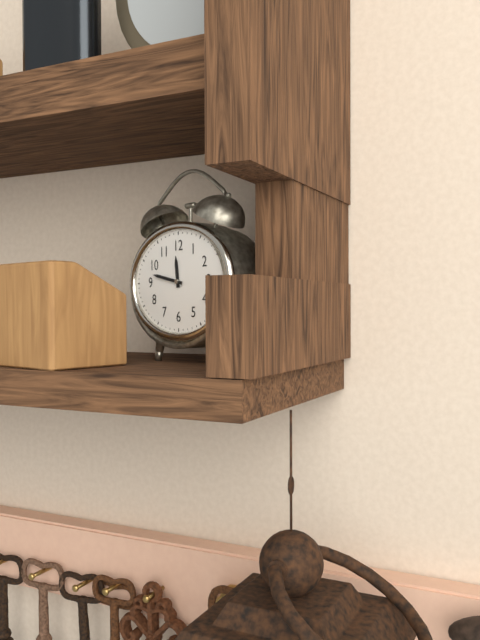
11:47
